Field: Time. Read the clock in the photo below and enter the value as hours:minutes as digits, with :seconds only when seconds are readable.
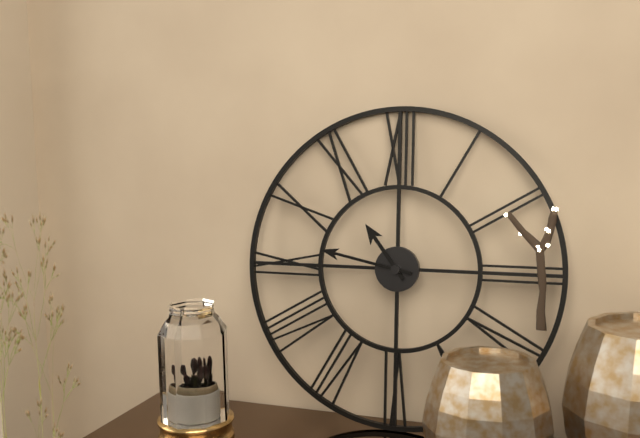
10:47
